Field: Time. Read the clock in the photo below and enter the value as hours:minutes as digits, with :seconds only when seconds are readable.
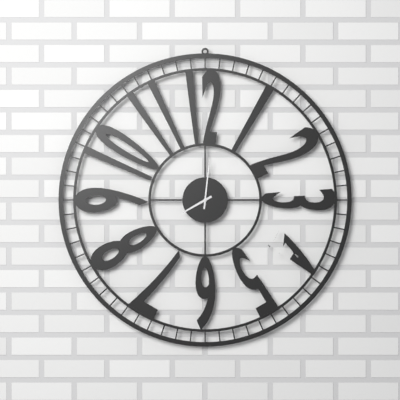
8:01
